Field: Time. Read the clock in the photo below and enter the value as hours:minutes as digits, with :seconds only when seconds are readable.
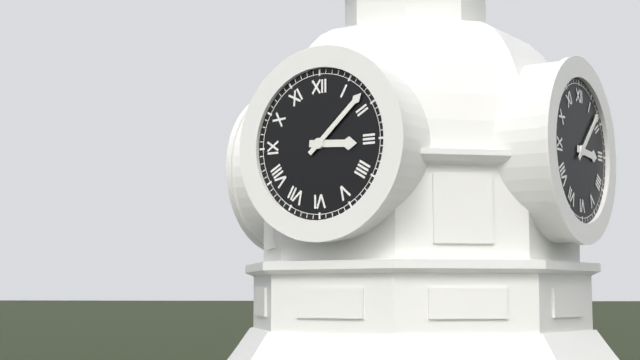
3:08
